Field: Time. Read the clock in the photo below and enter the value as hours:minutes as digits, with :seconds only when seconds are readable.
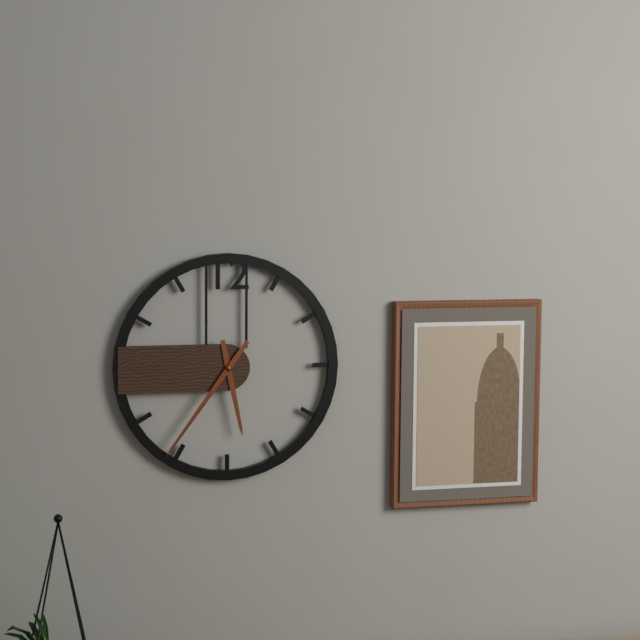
5:36
